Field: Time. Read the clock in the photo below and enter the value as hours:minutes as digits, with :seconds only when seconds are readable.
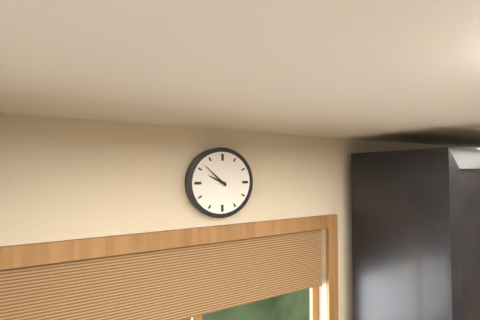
9:52
